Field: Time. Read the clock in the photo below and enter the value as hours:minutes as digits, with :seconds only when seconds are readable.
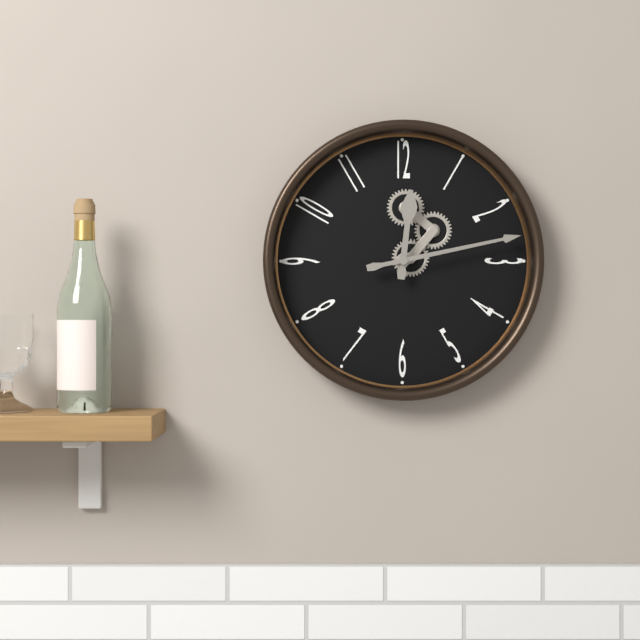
12:13
